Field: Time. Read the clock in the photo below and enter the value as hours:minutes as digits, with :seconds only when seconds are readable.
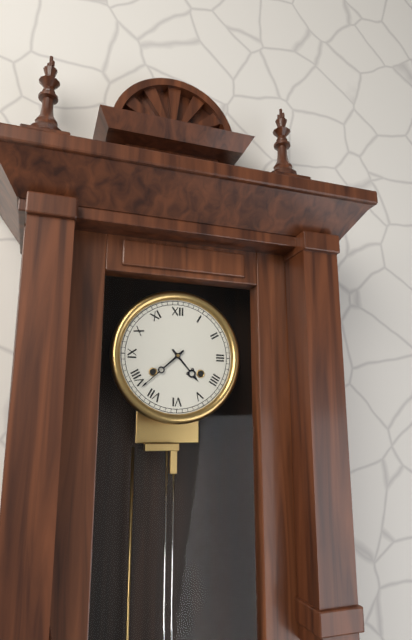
4:38
